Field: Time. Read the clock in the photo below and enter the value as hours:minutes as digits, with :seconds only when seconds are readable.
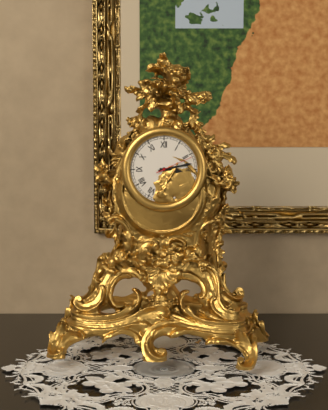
3:13
